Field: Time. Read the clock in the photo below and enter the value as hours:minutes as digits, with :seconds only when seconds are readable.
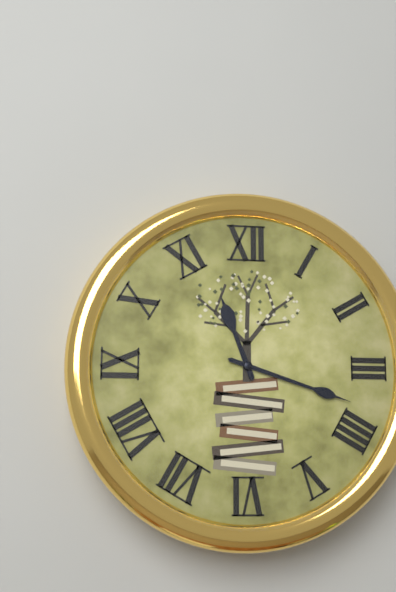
11:18
